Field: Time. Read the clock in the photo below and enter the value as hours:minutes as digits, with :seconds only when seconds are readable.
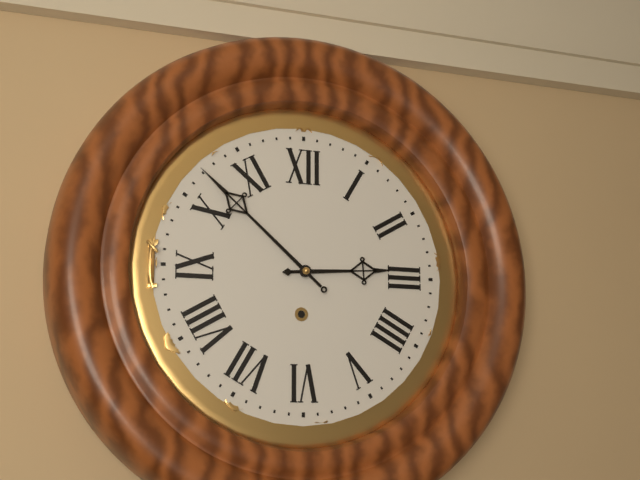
2:52
